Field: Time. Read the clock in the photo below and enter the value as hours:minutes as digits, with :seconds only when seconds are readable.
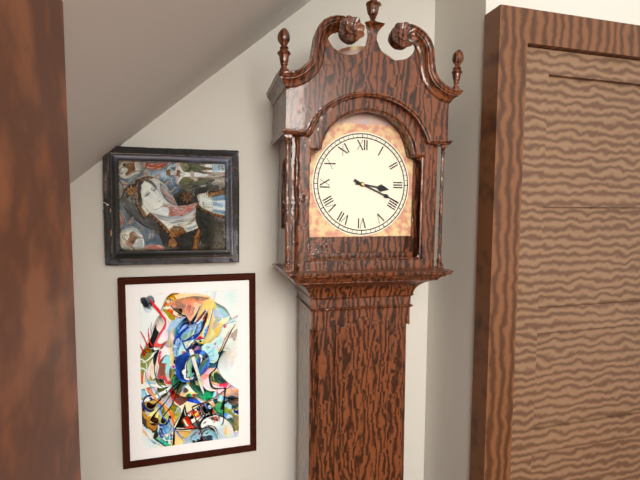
3:19
